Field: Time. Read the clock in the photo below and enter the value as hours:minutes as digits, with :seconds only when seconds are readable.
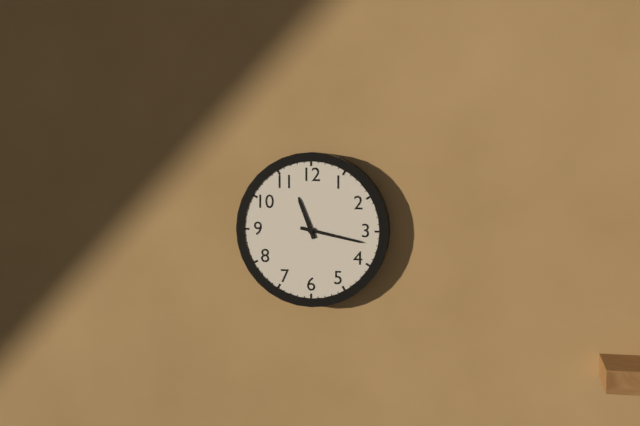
11:17
